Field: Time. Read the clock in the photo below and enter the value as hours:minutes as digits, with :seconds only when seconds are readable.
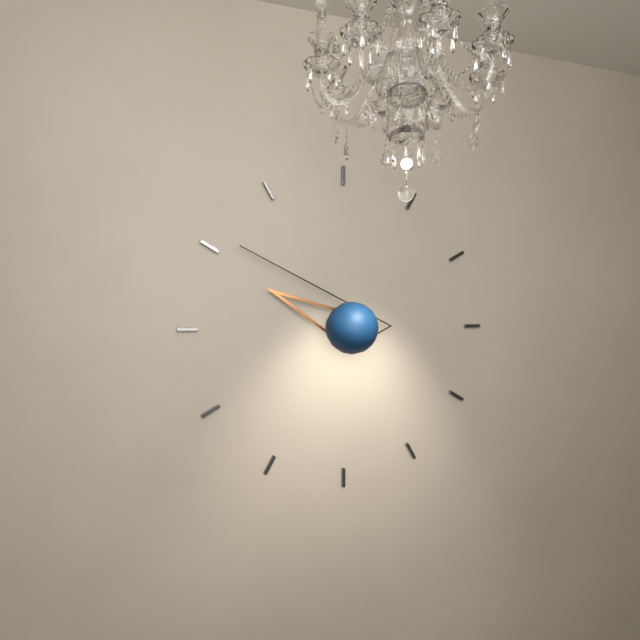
9:51
